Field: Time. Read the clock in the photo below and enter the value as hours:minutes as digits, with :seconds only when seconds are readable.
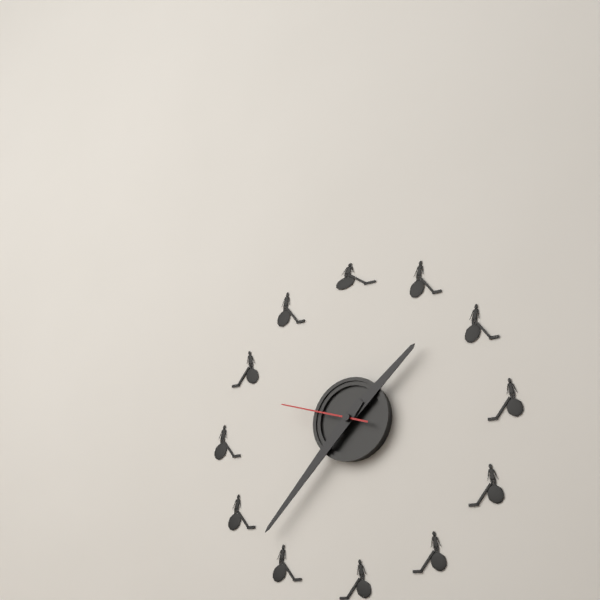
1:37:48
